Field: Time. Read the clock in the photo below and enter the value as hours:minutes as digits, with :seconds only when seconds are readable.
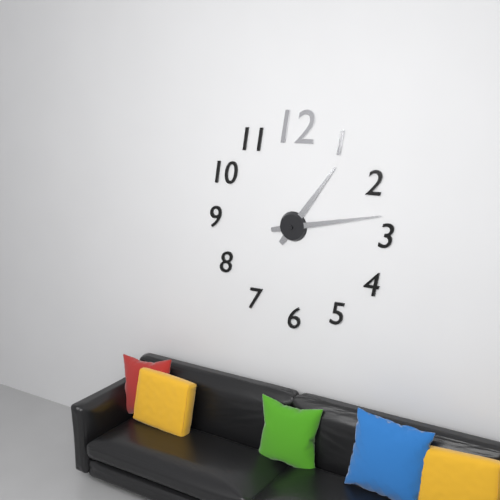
1:13
